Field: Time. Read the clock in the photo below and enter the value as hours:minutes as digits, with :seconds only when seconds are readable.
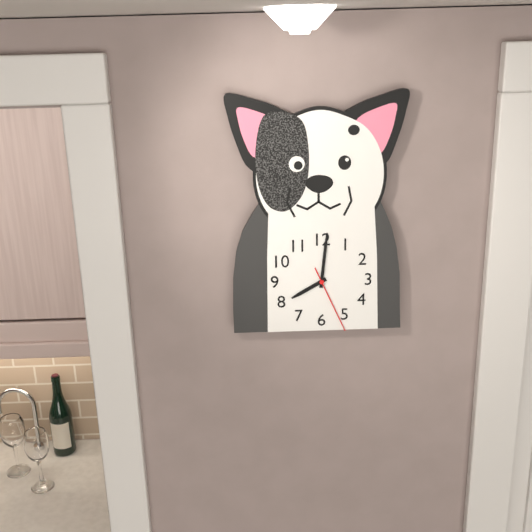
8:01:26
